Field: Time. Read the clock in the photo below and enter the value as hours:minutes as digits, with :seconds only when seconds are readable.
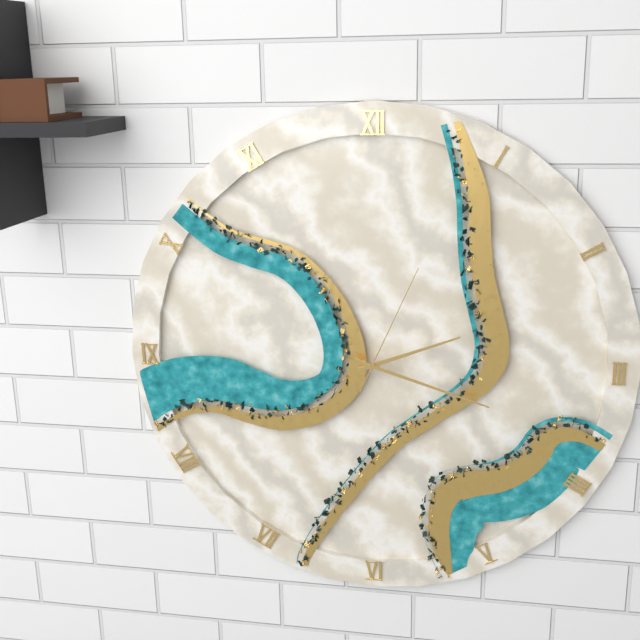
2:18:04
